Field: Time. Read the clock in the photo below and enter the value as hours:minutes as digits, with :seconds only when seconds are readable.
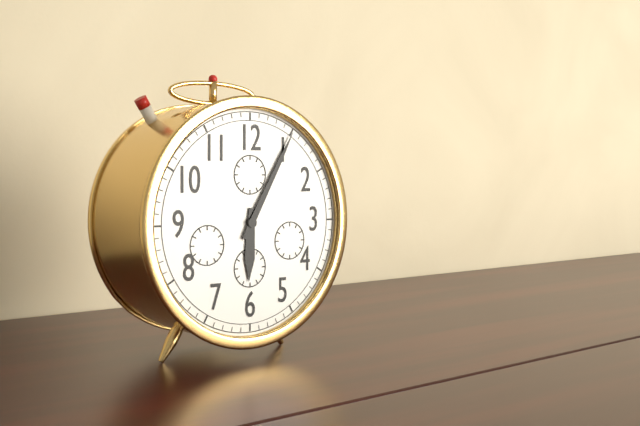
6:05
